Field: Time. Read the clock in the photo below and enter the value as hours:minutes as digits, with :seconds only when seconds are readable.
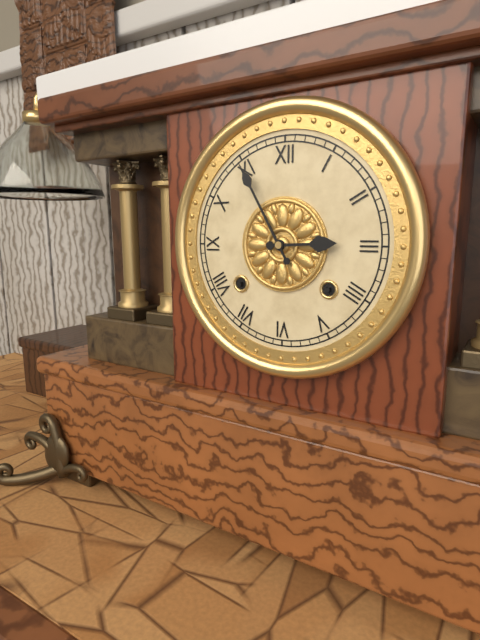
2:55
